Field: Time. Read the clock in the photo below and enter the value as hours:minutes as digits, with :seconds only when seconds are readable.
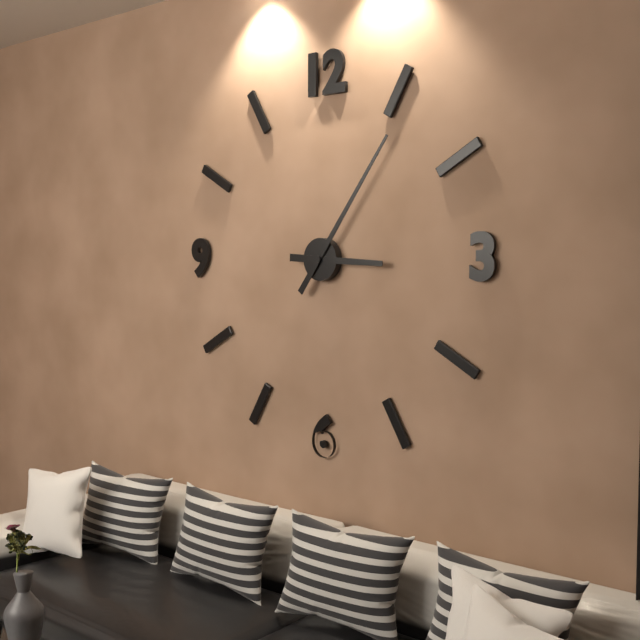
3:06
